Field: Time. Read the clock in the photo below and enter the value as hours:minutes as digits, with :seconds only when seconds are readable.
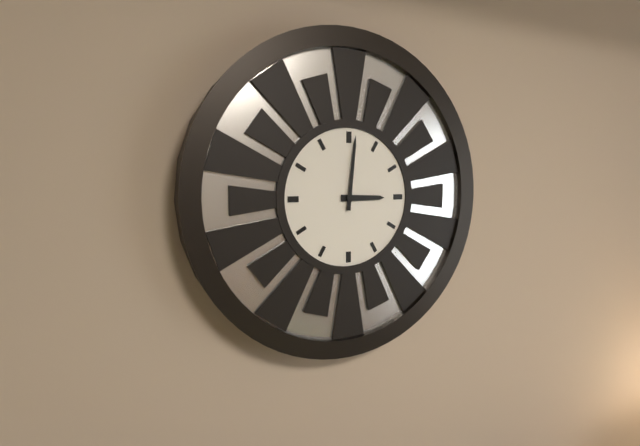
3:01
